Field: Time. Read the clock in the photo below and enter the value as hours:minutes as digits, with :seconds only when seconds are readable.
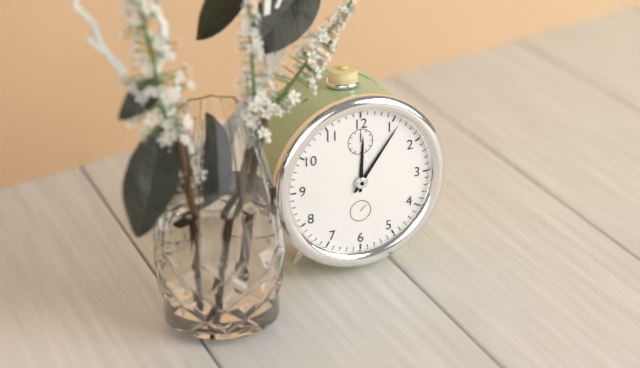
12:06
